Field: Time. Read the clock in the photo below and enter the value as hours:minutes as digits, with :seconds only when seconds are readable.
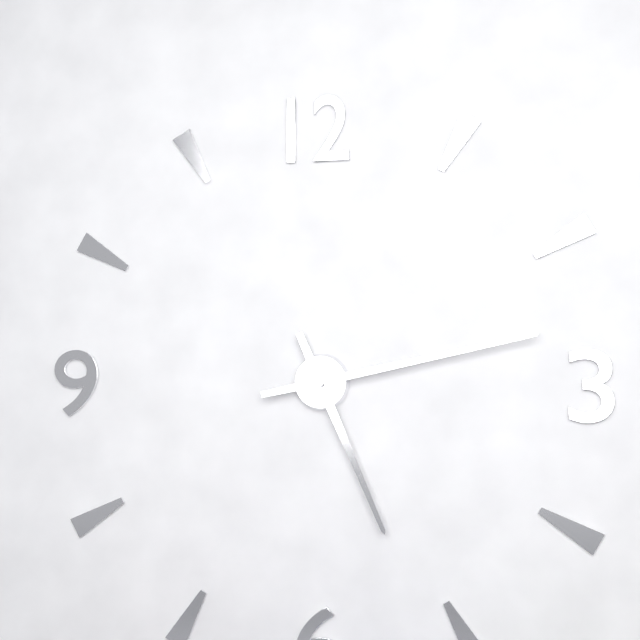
5:13
